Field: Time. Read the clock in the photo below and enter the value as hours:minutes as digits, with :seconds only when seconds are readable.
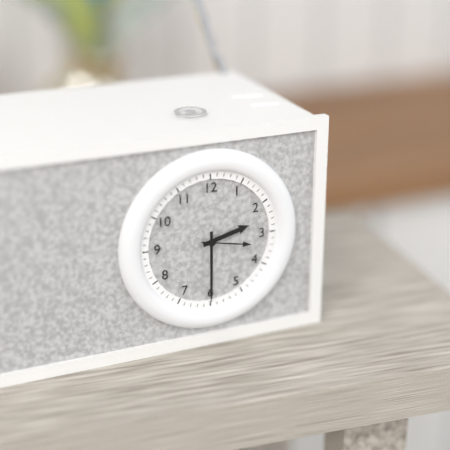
2:30
